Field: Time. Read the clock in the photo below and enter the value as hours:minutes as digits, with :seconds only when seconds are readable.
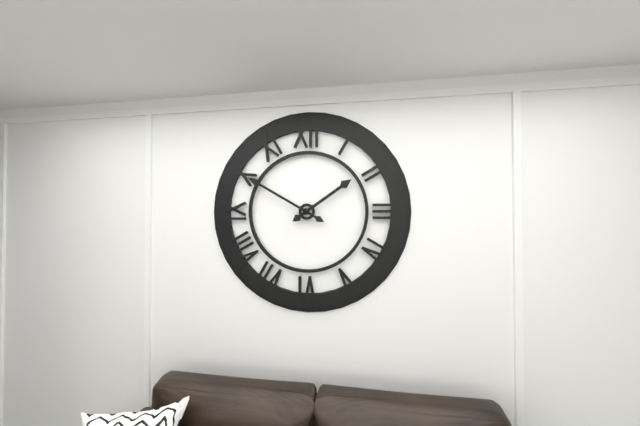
1:50
